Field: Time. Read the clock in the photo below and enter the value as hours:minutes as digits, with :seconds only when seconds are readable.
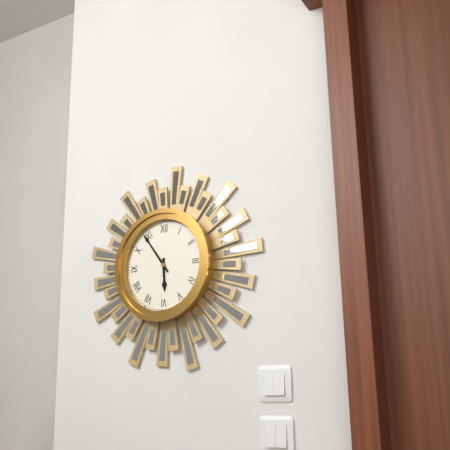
5:54
